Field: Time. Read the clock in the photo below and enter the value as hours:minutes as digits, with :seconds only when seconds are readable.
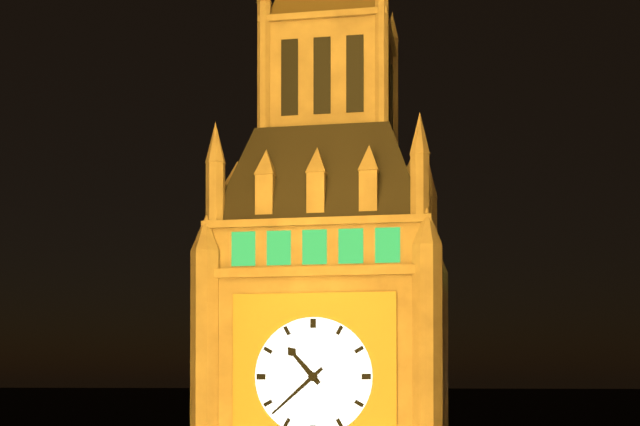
10:38
